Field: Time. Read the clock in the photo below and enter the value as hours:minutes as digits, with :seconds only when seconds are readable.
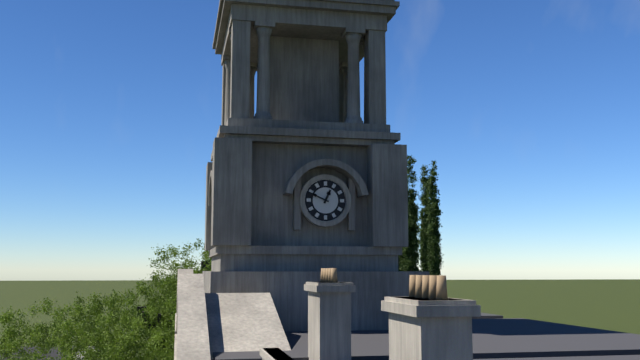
12:49
